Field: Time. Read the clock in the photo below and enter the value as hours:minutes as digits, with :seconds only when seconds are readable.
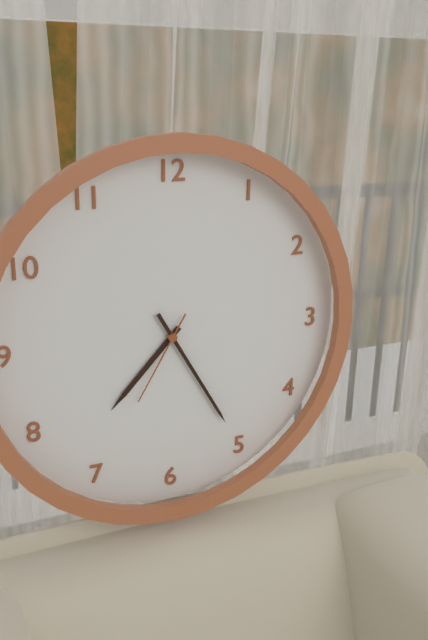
7:25:35
